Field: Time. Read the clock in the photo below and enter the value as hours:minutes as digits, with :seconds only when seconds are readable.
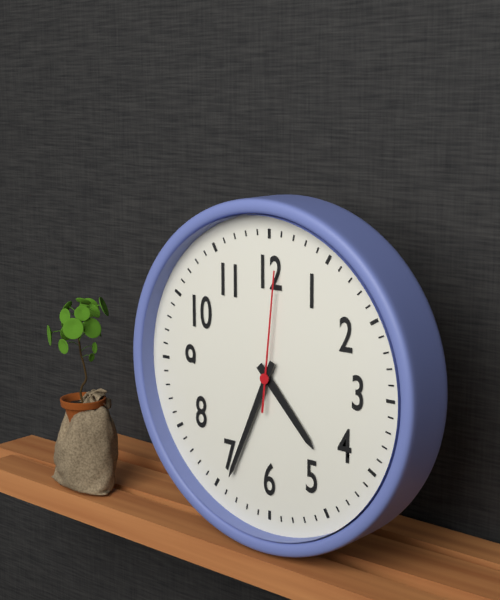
4:34:01
